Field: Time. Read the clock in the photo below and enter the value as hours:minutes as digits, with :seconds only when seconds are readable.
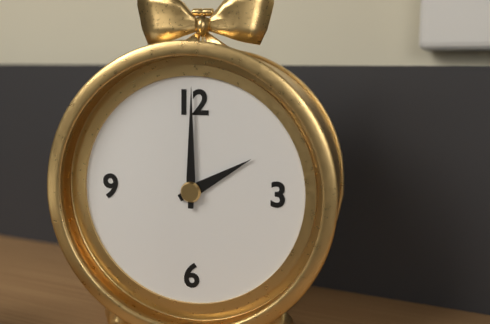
2:00
